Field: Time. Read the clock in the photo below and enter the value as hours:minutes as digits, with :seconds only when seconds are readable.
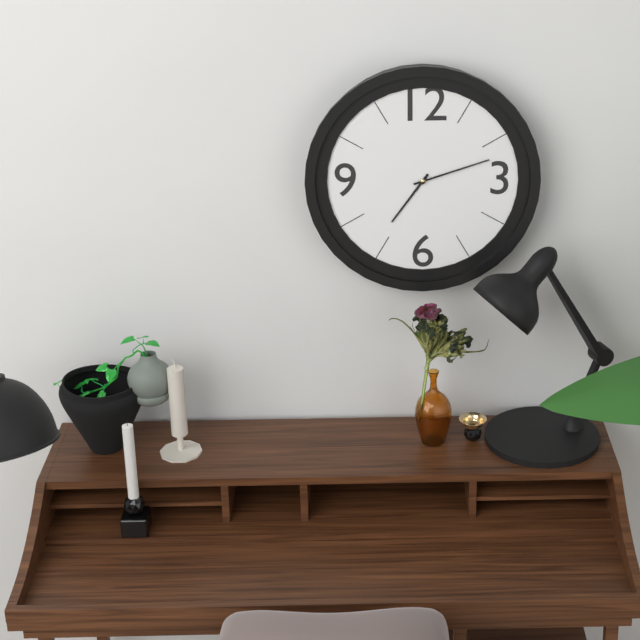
7:12
